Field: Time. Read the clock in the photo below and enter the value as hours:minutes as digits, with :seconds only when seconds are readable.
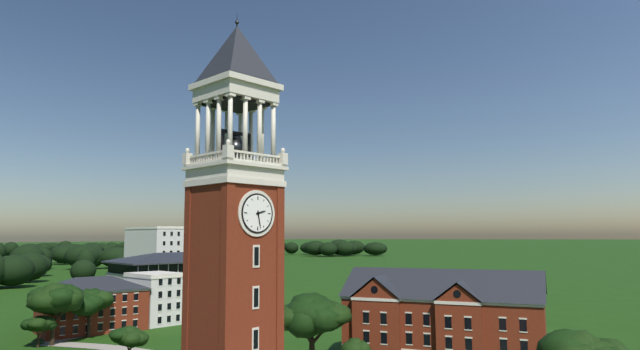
2:28
